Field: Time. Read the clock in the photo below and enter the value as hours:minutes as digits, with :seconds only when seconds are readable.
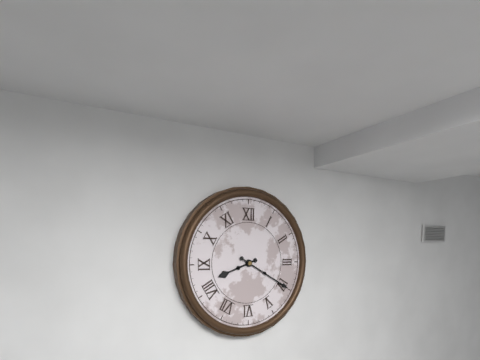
8:20
